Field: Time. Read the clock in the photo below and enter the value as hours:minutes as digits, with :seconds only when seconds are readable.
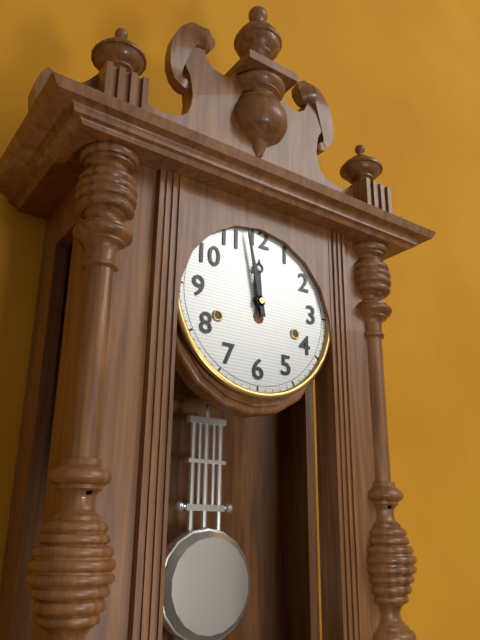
11:58
